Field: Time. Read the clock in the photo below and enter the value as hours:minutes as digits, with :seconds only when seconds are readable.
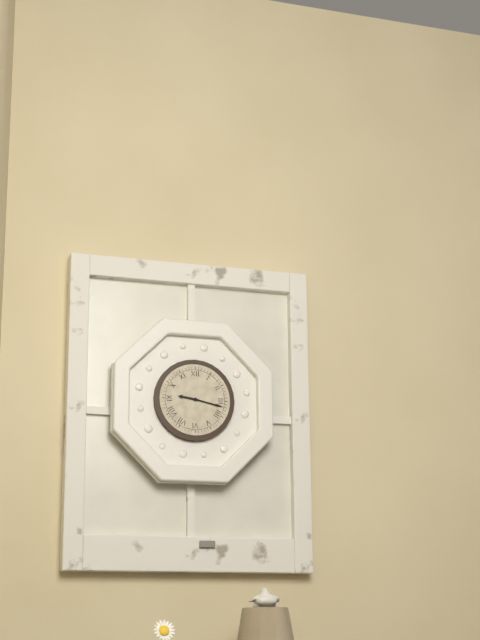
9:17
